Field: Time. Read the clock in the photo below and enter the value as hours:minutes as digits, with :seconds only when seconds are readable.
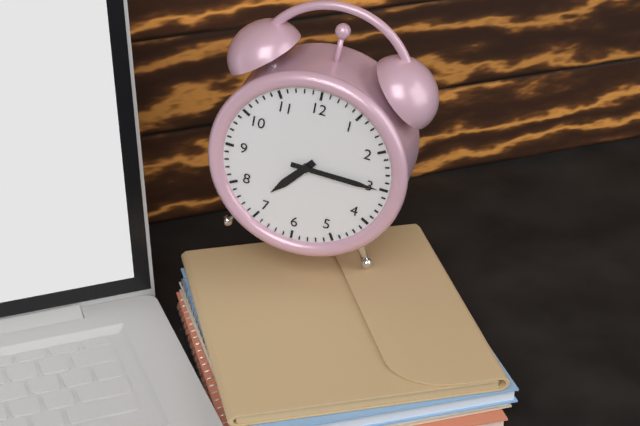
7:15
